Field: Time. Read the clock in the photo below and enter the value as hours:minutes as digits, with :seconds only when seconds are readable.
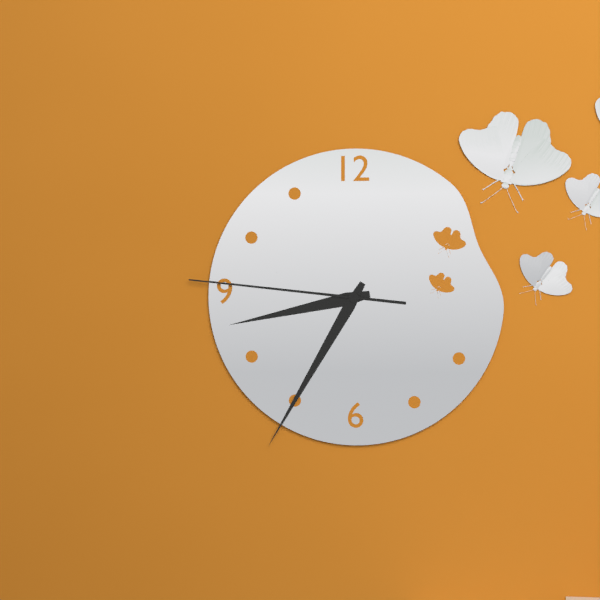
8:35:46
